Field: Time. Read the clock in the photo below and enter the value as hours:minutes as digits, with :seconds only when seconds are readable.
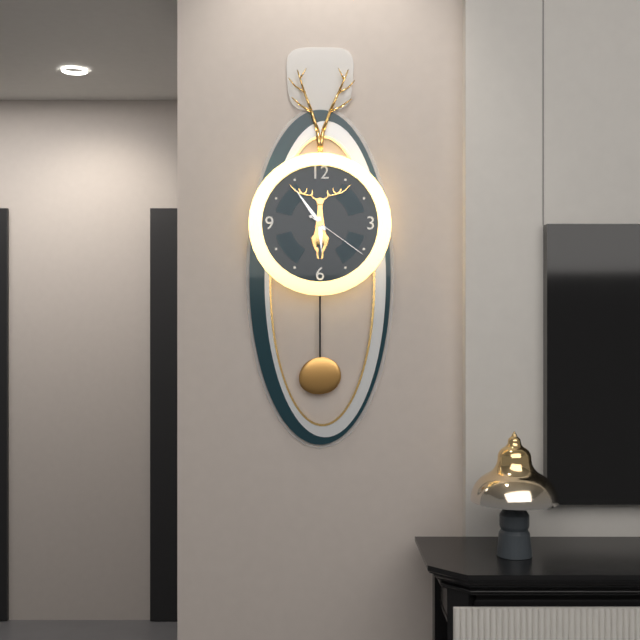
5:54:21
